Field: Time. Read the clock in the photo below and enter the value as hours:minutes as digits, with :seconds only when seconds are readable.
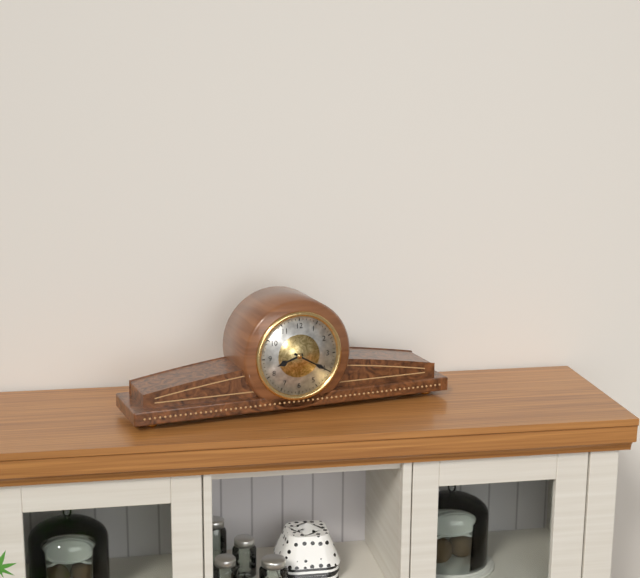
8:20
